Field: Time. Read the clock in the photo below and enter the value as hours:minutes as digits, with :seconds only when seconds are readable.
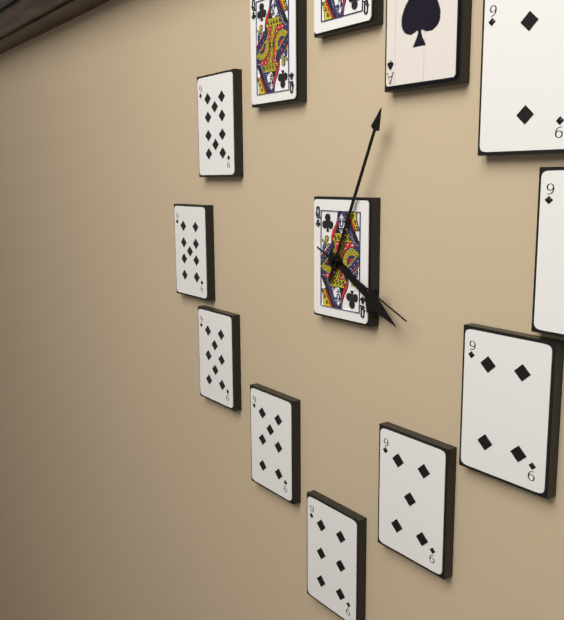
4:04:19
